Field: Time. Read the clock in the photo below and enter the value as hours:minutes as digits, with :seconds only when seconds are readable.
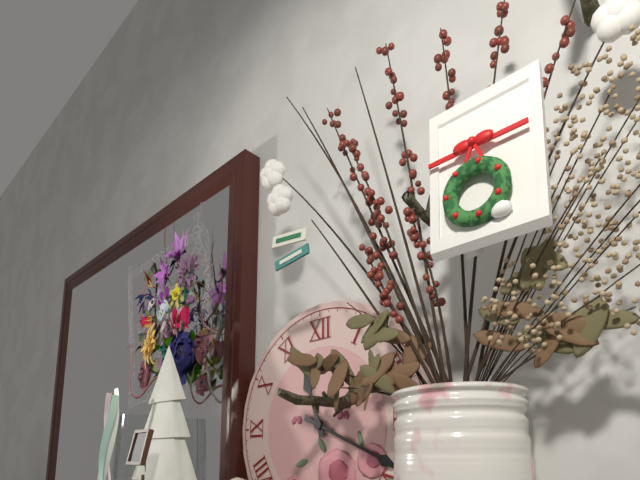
11:19
